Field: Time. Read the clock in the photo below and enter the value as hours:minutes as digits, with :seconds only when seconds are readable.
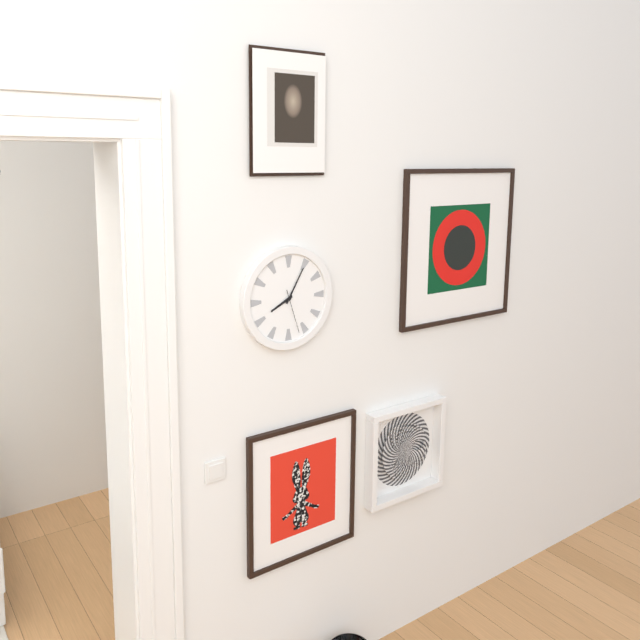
8:05
